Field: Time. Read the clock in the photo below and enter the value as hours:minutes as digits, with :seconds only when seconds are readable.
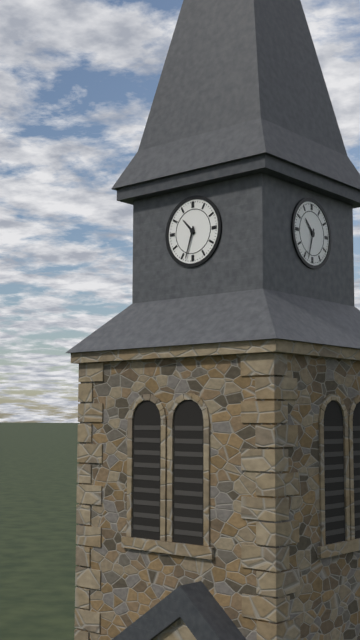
10:33
